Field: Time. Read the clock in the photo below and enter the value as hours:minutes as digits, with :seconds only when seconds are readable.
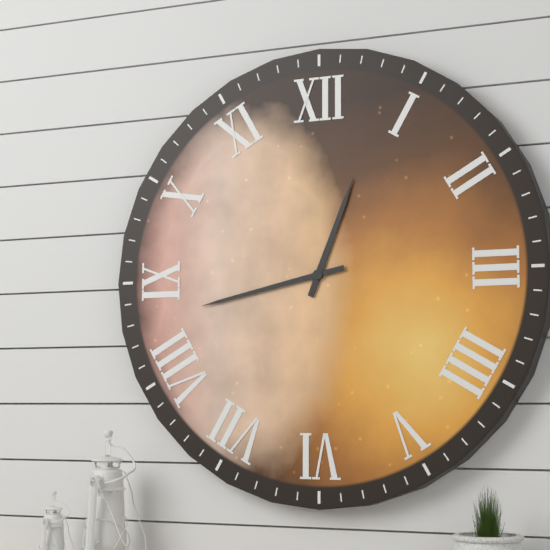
12:43
